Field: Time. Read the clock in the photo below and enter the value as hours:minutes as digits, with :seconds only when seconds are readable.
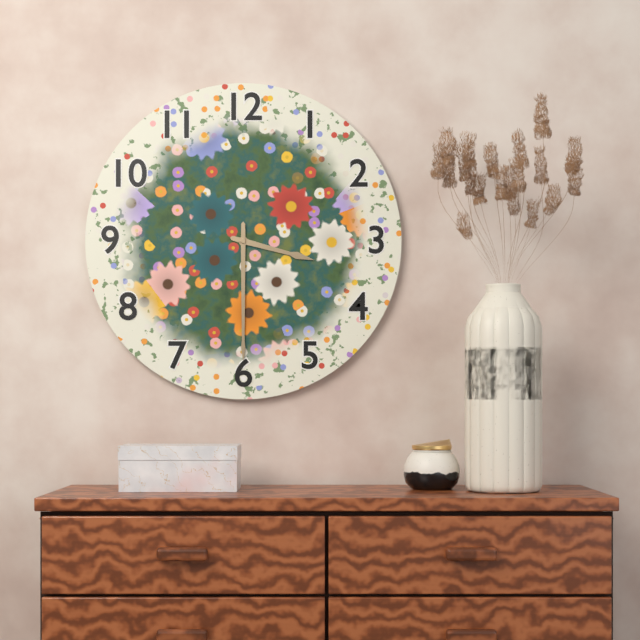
3:30
